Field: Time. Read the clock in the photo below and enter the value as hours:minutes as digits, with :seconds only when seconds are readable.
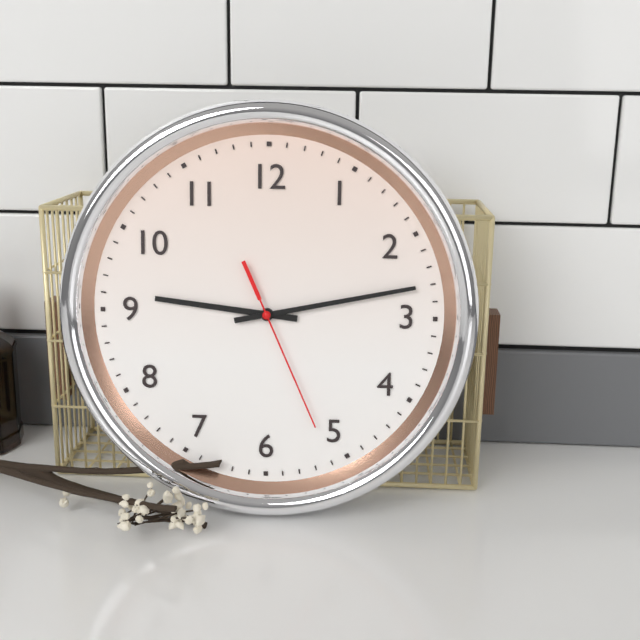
9:13:26
